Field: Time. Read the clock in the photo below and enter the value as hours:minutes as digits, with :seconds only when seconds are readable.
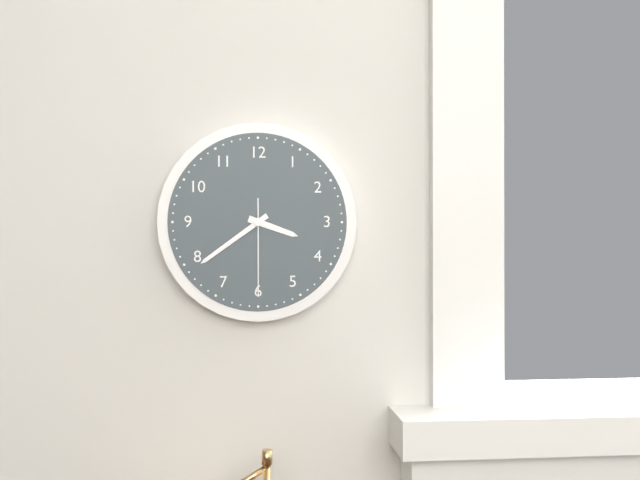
3:39:30
